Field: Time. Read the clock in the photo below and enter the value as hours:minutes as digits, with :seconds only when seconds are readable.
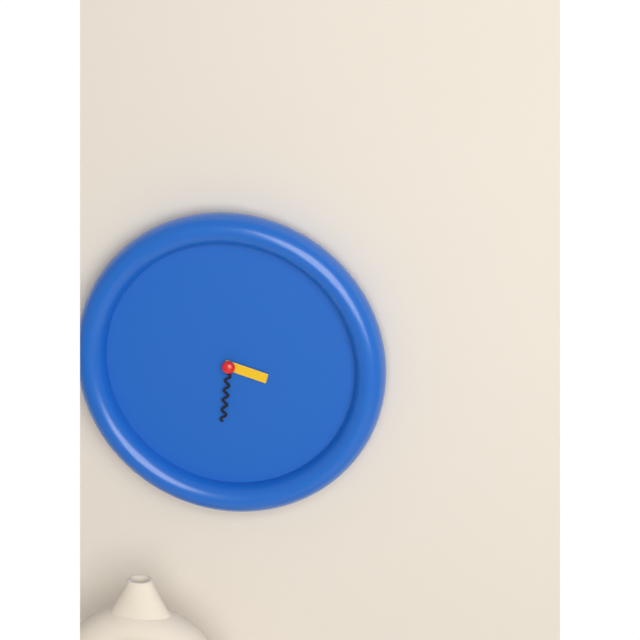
3:31
